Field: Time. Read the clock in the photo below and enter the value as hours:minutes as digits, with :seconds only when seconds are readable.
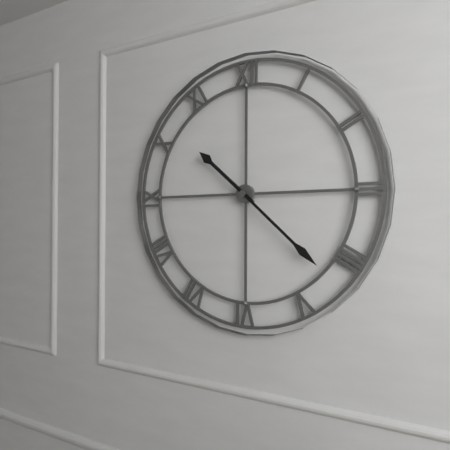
10:22
